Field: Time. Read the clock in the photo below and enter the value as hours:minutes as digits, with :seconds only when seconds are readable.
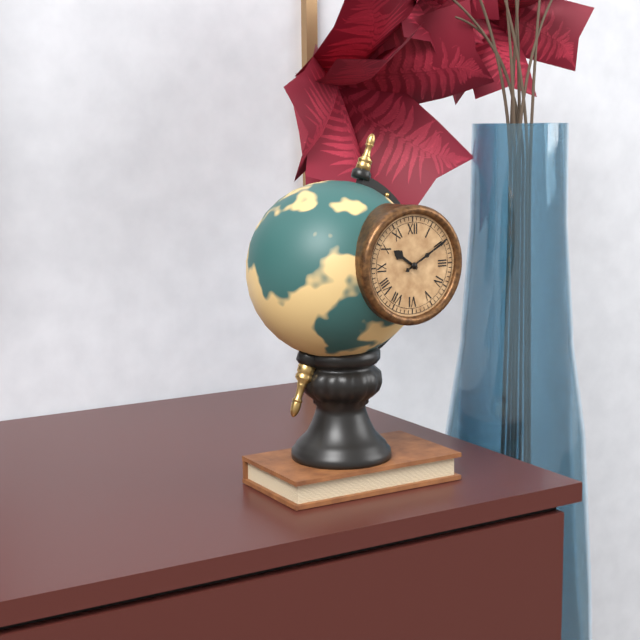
10:10
